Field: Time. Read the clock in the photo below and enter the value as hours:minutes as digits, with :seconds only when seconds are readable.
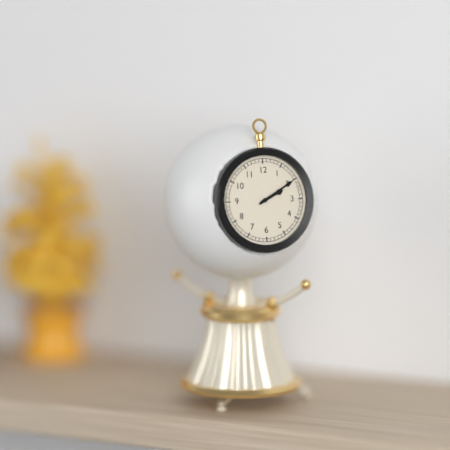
2:10
